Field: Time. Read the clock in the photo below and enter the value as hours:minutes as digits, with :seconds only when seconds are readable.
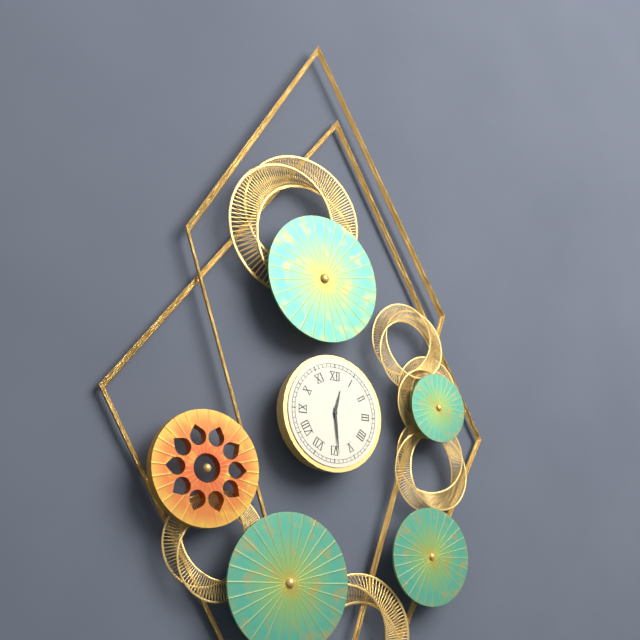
12:29
